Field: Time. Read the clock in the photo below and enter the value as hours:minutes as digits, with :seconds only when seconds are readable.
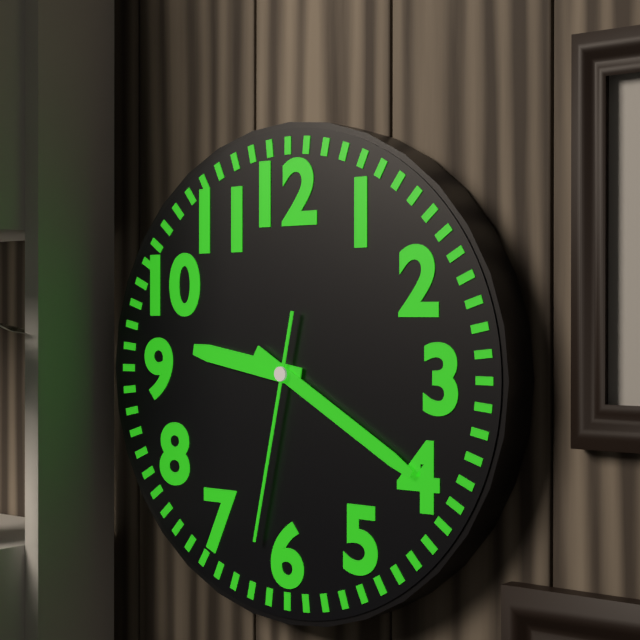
9:20:32
